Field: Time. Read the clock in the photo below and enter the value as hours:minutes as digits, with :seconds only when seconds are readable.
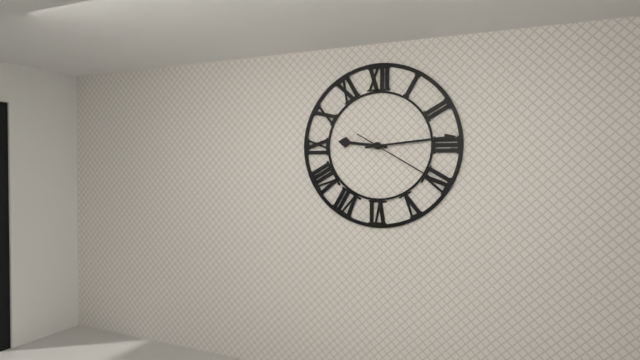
9:14:20
